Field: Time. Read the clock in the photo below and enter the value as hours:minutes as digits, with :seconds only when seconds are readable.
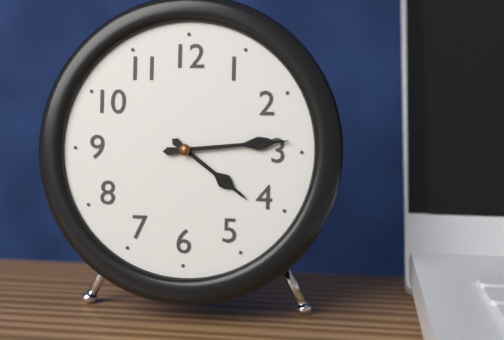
4:14
